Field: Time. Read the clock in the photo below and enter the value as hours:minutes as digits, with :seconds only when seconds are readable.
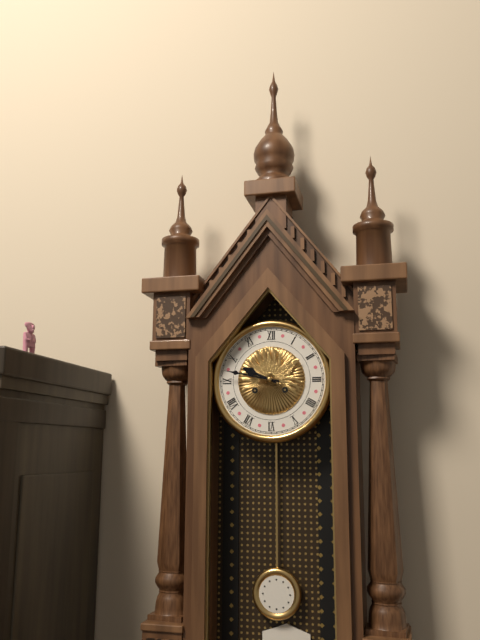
9:47
